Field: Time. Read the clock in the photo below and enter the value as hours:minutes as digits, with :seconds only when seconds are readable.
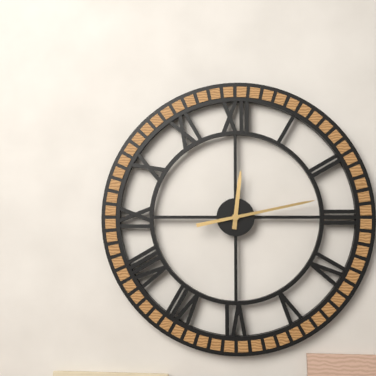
12:13
